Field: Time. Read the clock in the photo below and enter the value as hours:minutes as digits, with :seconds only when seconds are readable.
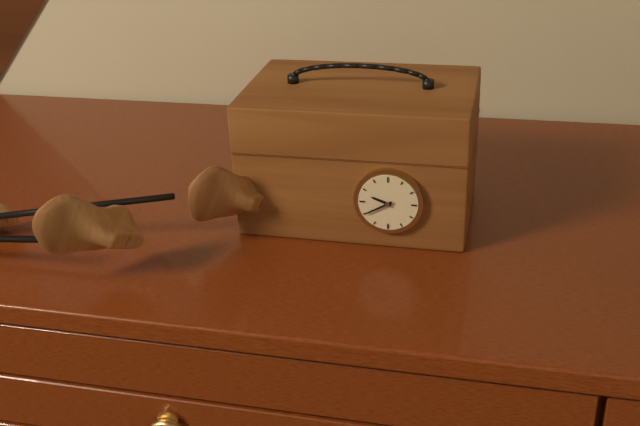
9:40
